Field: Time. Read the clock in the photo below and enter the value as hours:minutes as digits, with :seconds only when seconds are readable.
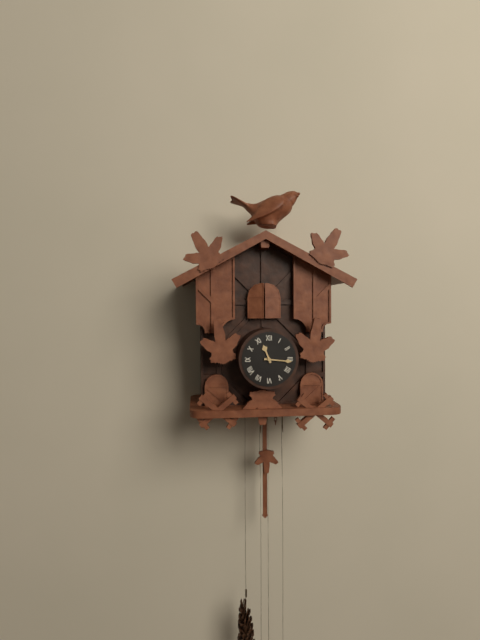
11:16
